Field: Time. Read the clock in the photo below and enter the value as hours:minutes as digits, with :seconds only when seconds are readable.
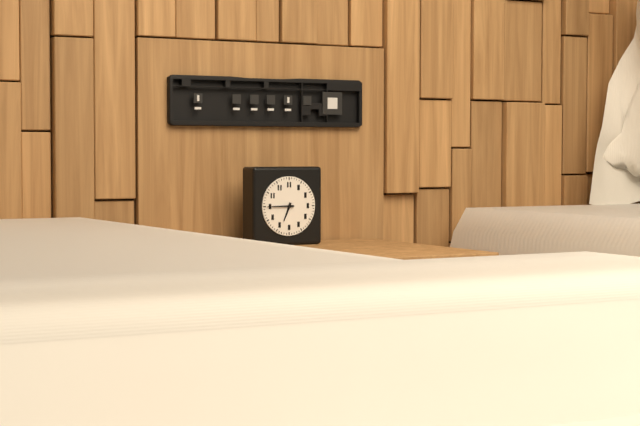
6:45
